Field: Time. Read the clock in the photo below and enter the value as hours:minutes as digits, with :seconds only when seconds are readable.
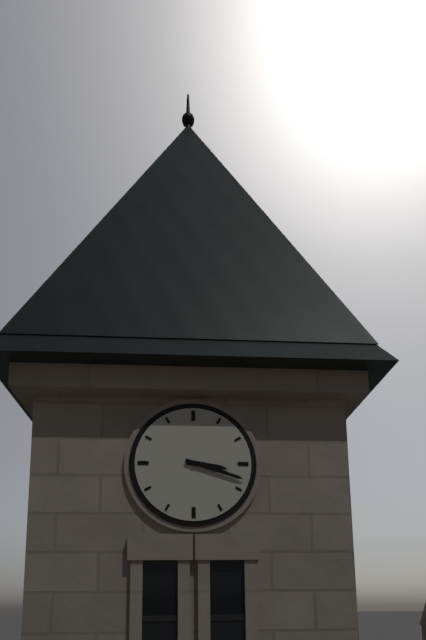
3:18
